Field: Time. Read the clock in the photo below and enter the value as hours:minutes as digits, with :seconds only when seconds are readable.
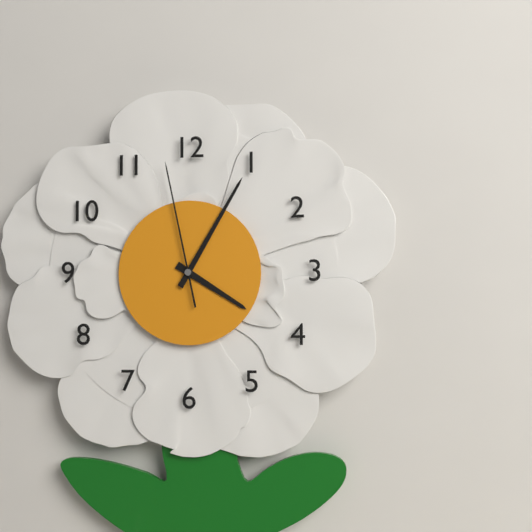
4:05:58
